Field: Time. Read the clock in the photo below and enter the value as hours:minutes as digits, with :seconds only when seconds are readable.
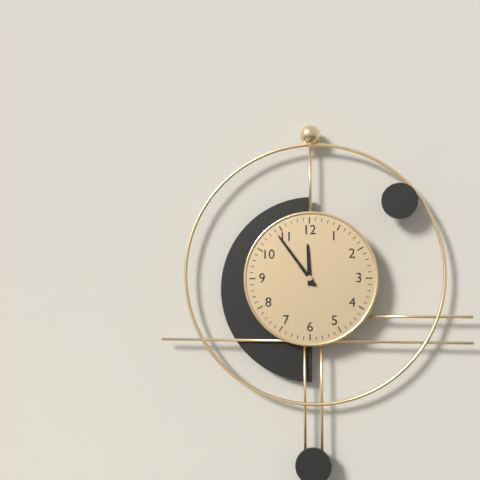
11:54
